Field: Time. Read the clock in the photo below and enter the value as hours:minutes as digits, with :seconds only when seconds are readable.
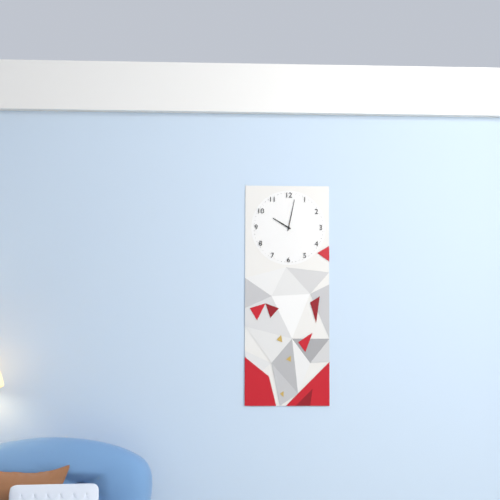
10:02
